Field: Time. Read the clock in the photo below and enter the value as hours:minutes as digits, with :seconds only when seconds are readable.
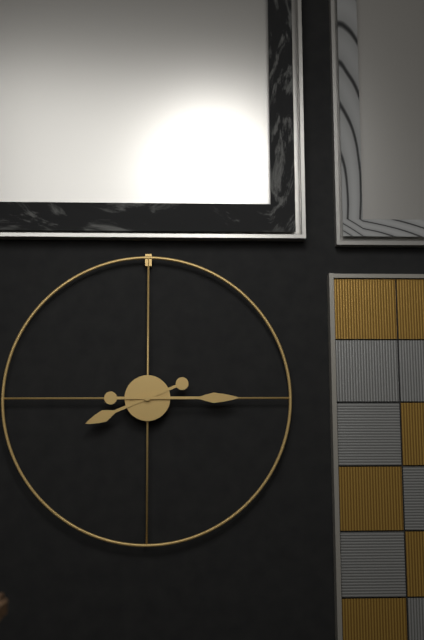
8:15
